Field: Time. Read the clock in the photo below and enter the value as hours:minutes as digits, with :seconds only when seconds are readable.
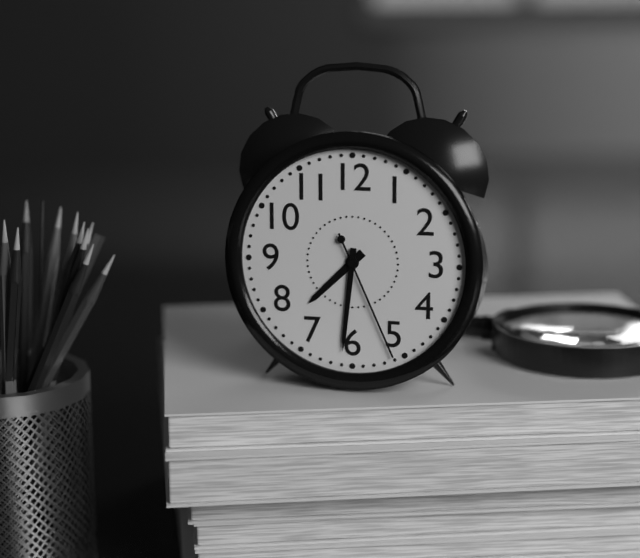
7:31:26
